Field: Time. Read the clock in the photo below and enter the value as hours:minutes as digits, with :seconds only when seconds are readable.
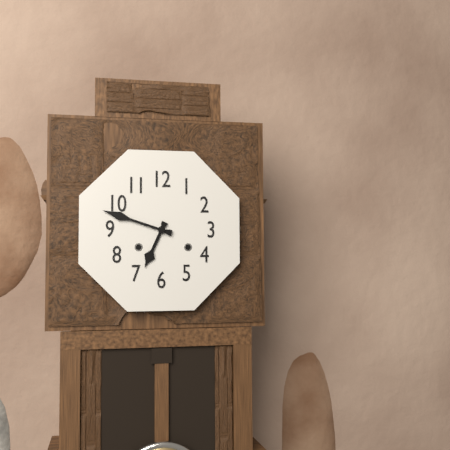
6:48
